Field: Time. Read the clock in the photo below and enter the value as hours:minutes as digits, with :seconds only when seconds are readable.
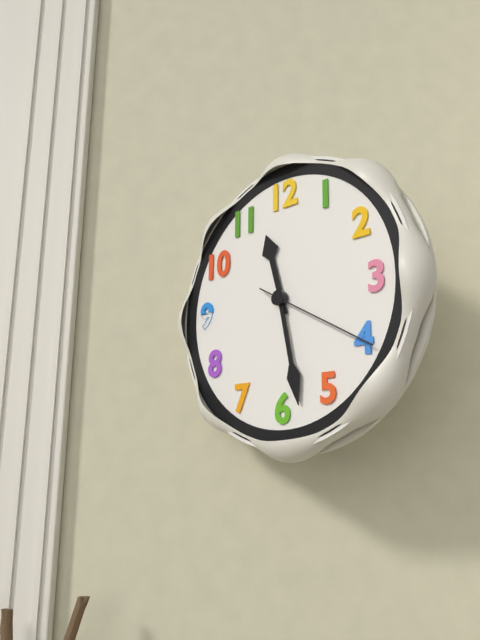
11:28:20
